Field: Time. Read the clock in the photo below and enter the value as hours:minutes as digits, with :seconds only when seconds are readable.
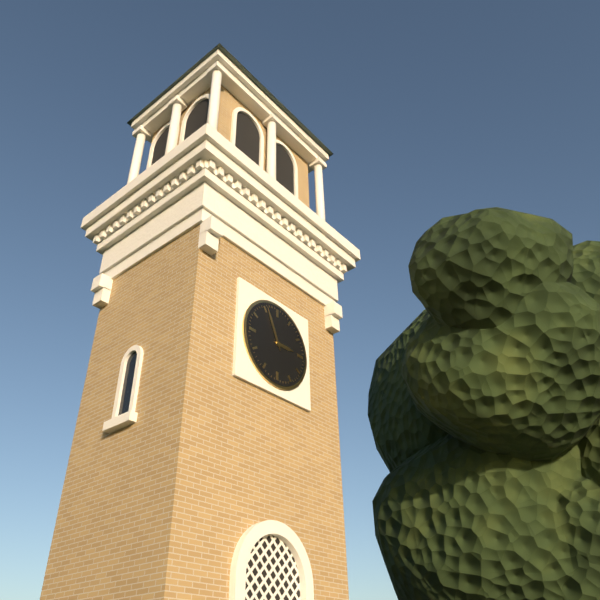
2:56
